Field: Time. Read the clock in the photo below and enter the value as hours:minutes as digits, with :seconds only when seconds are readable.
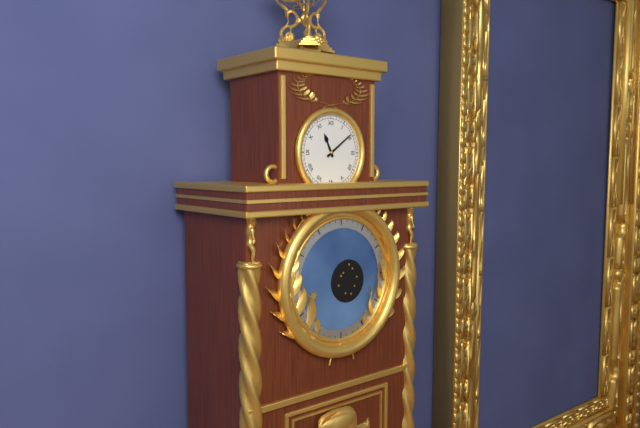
11:09
